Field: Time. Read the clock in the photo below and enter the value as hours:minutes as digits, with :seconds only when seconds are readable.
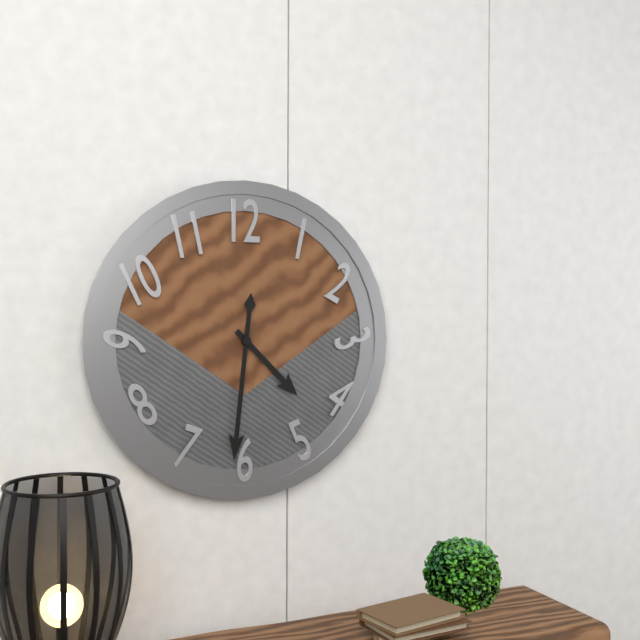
4:31
